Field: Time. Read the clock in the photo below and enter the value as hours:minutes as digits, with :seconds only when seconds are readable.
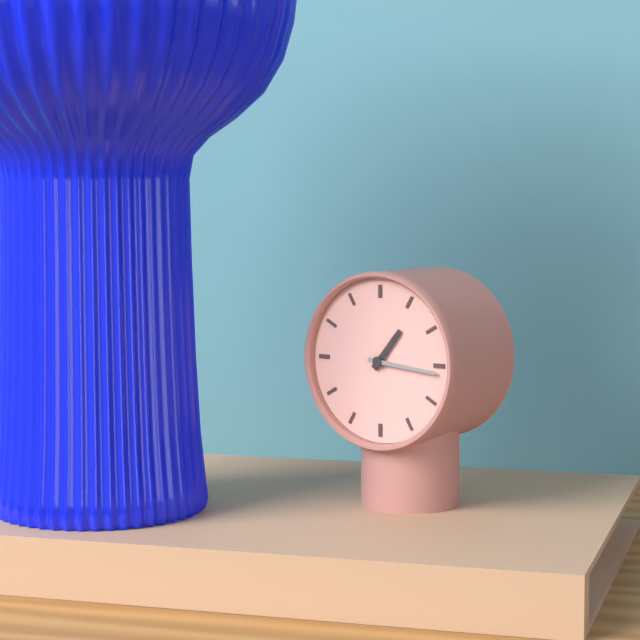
1:16
